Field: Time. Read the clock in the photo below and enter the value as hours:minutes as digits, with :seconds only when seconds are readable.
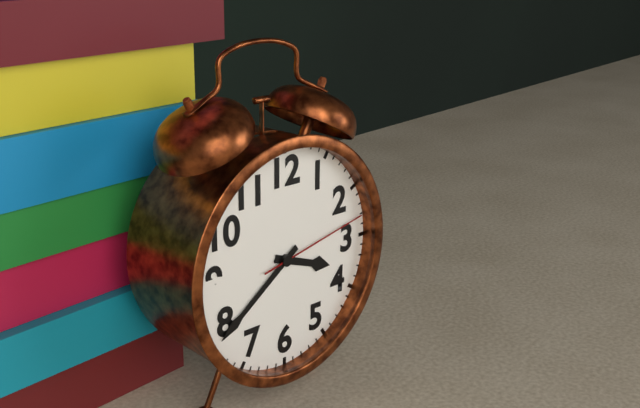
3:39:13
